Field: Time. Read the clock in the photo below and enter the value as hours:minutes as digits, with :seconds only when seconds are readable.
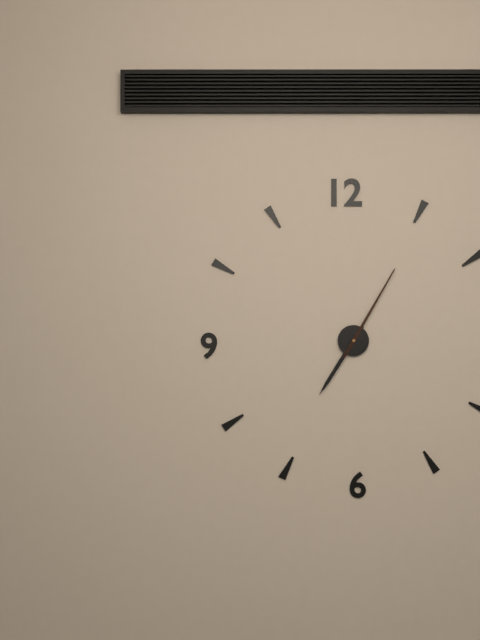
7:05
